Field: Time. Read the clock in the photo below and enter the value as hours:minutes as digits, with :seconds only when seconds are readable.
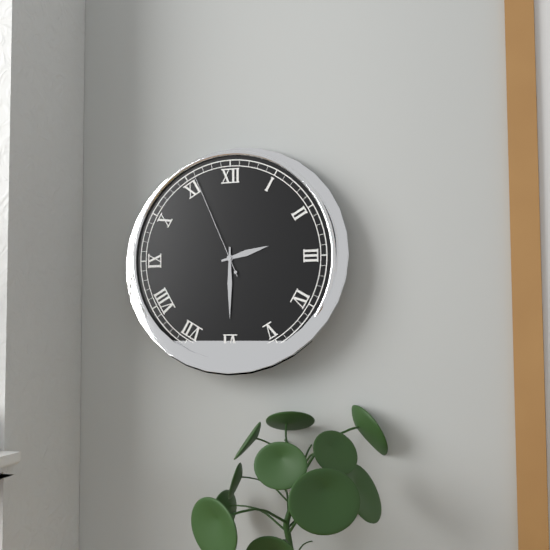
2:30:56
